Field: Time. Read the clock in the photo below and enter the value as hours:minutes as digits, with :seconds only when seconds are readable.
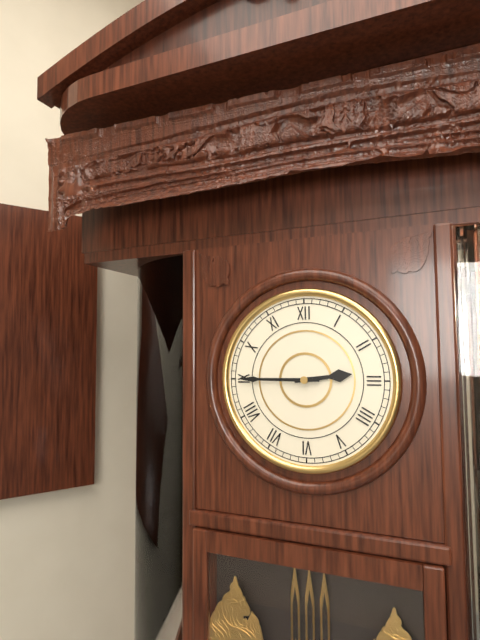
2:45
